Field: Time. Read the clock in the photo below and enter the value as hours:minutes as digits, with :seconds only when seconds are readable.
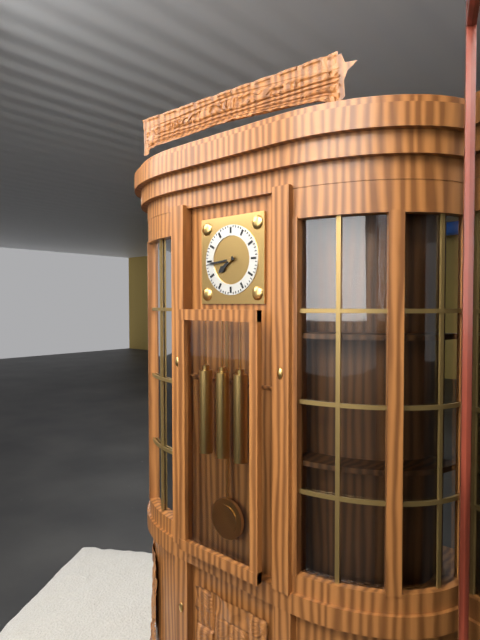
7:44
